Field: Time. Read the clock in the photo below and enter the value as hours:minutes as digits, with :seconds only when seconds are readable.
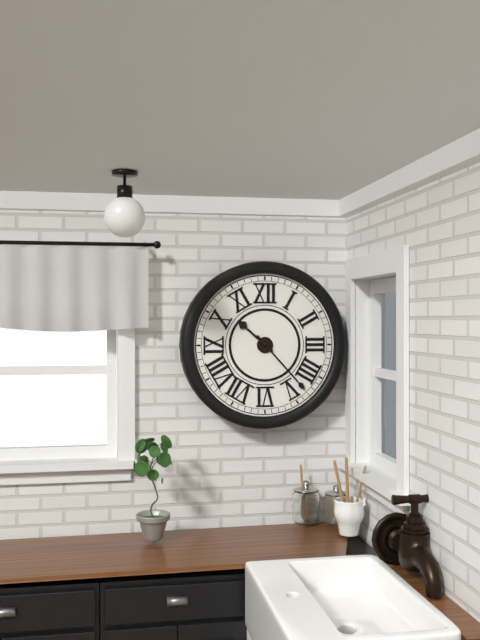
10:23
